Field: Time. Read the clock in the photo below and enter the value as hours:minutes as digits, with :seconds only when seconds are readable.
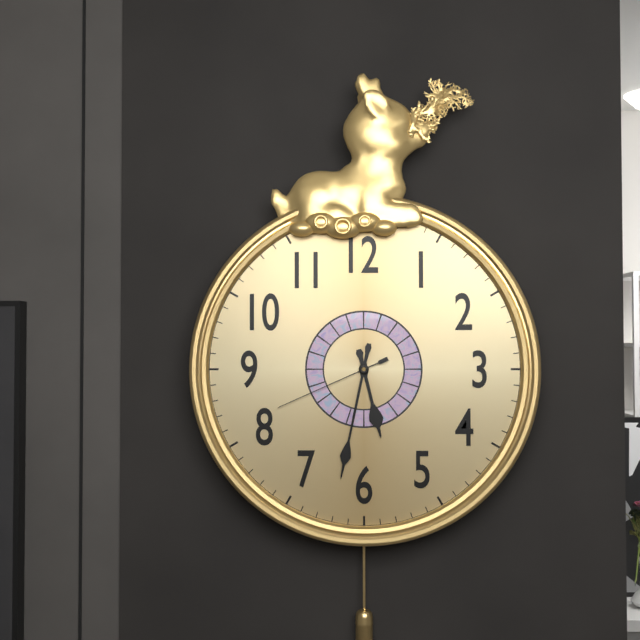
5:32:41
